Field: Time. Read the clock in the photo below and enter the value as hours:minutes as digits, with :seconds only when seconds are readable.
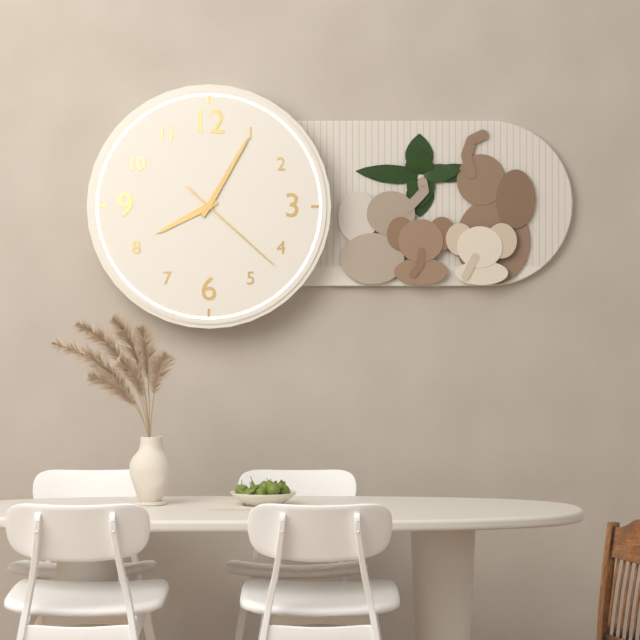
8:05:22
